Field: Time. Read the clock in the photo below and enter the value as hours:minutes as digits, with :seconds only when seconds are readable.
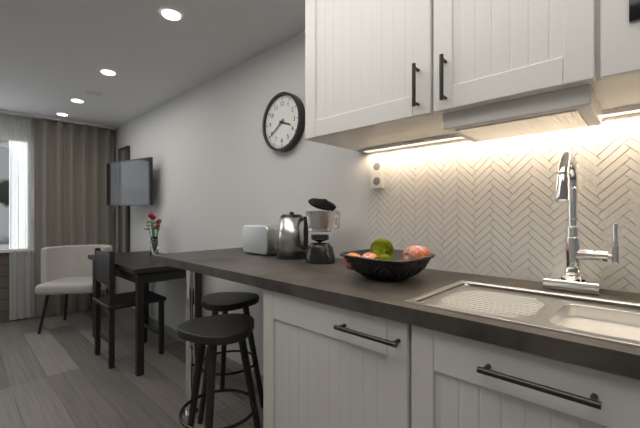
3:39
